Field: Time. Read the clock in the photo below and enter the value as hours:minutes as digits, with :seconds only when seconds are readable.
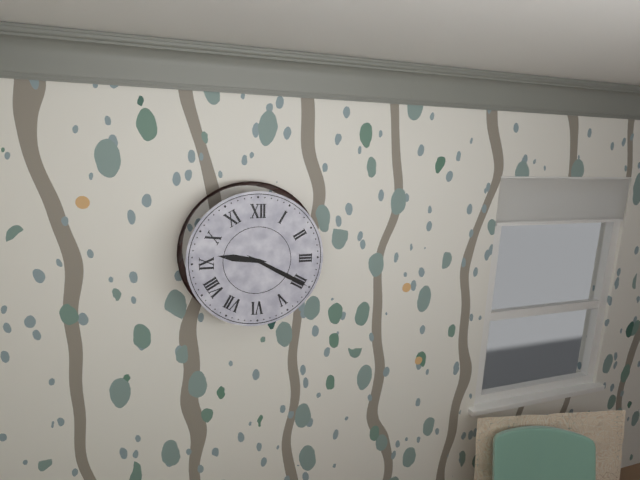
9:20
